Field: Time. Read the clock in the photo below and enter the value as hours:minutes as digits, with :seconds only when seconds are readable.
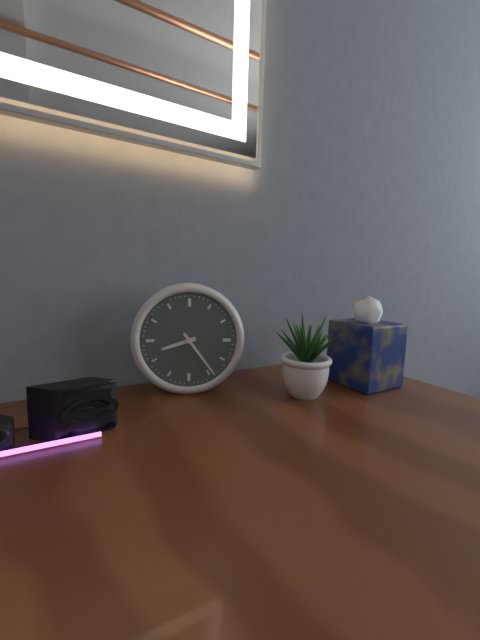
8:24
